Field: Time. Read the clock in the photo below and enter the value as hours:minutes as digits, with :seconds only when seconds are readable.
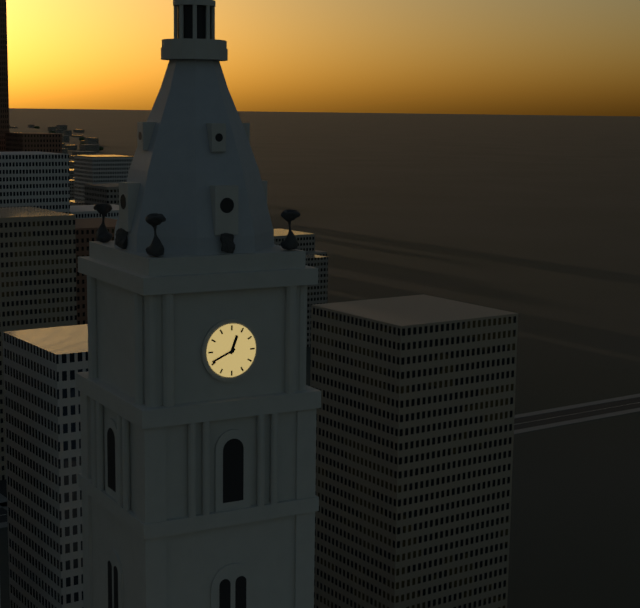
12:41
